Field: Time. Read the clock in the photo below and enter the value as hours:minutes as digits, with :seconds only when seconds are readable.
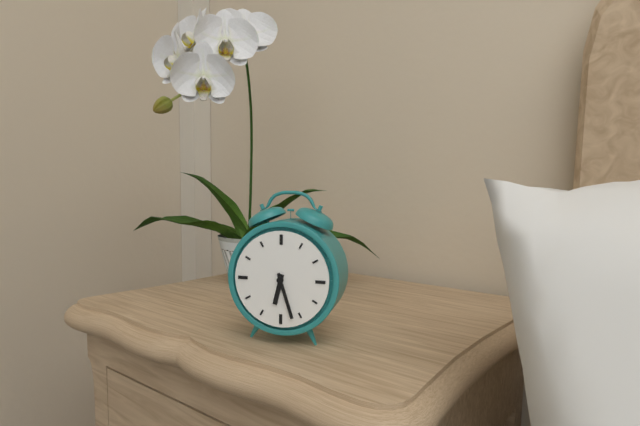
6:27
